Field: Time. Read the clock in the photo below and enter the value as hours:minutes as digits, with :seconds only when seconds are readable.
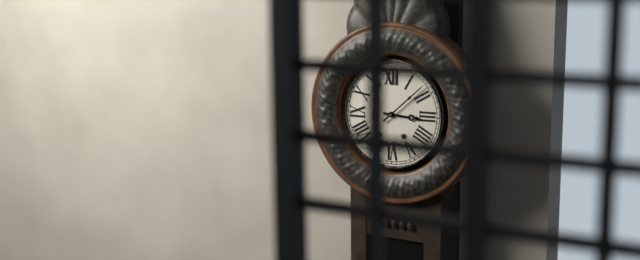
3:08
